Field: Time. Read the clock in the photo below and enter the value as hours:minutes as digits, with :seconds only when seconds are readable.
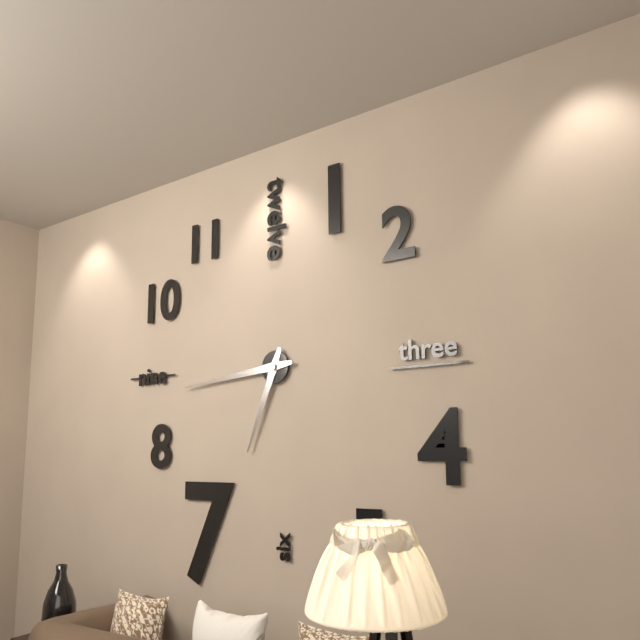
6:44
